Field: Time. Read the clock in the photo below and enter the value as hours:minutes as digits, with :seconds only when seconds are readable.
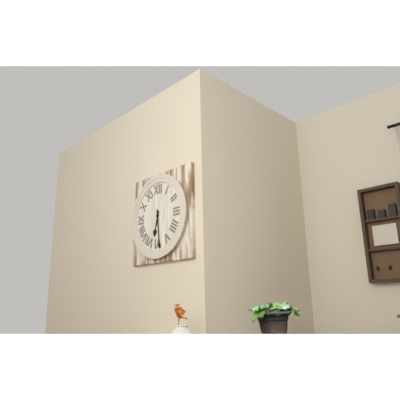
6:29
